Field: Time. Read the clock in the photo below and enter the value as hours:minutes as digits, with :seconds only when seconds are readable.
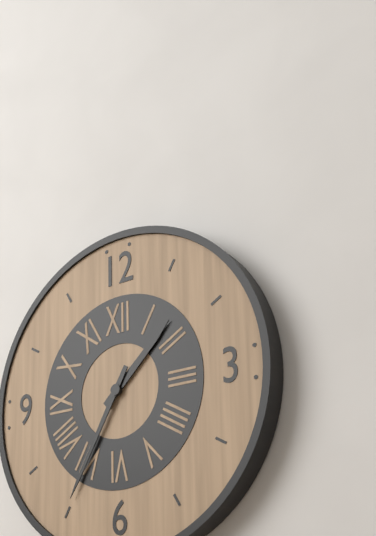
1:35
